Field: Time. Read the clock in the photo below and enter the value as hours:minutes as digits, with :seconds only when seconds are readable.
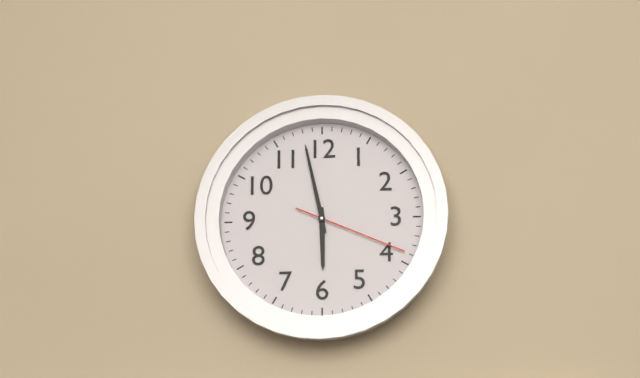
5:58:19
